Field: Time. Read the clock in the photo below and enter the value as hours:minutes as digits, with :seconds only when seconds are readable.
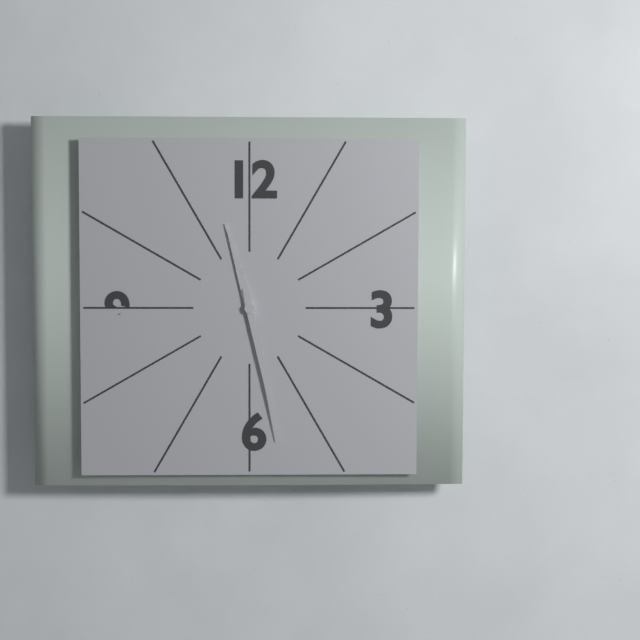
11:28
